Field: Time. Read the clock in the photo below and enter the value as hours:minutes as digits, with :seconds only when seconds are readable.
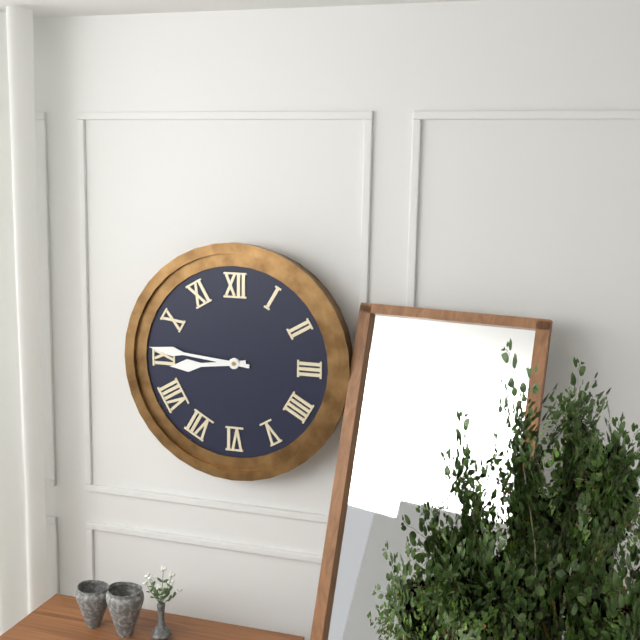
8:46
